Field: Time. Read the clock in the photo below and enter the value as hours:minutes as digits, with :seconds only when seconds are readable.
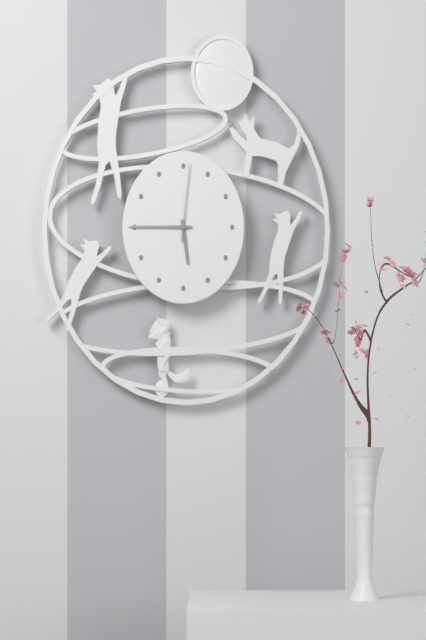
5:45:01
